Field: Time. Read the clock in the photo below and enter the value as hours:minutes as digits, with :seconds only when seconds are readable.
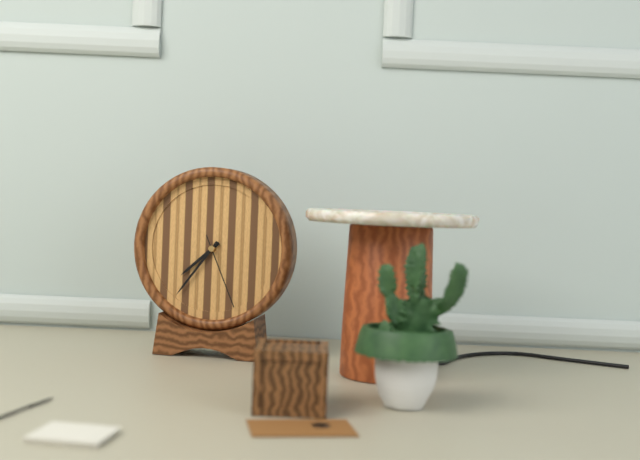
7:36:26
